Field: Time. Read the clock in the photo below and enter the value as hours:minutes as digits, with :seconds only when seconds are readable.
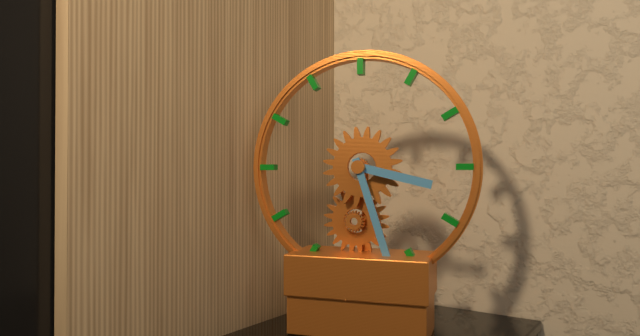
3:27
